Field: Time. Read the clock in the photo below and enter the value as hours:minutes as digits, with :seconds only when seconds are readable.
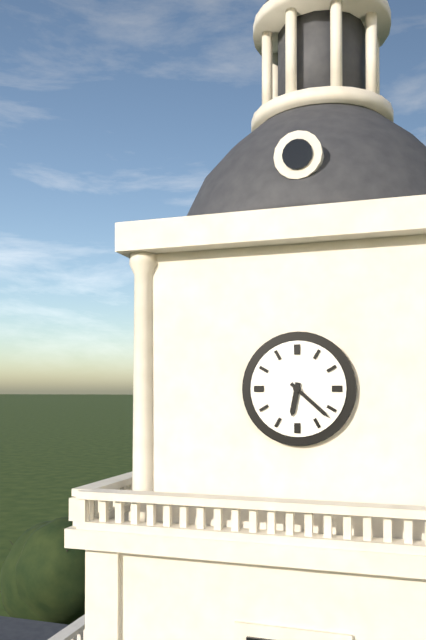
6:22
